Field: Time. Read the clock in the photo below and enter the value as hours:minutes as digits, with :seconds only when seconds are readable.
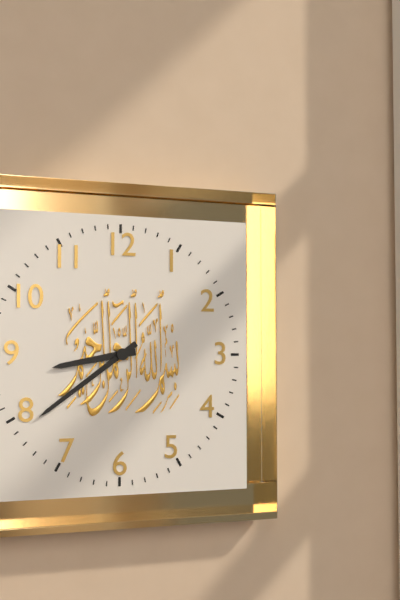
8:39
